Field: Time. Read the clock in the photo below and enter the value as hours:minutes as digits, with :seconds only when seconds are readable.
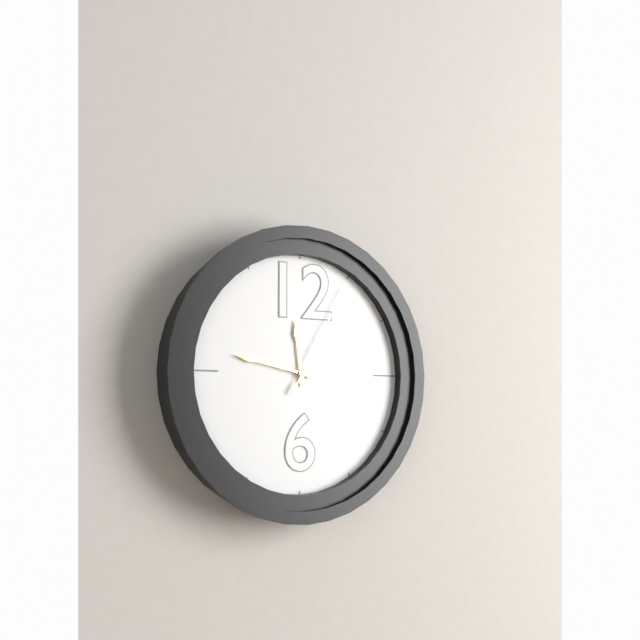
11:47:05
